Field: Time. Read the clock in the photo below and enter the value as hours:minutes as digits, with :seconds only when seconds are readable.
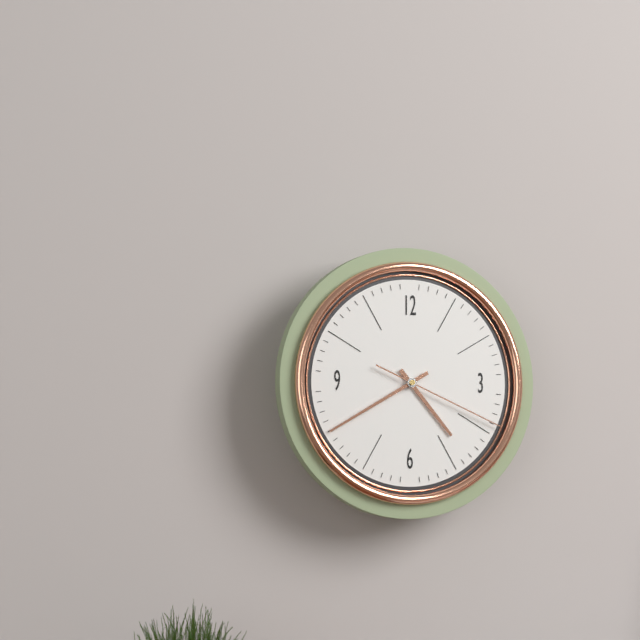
4:40:19
